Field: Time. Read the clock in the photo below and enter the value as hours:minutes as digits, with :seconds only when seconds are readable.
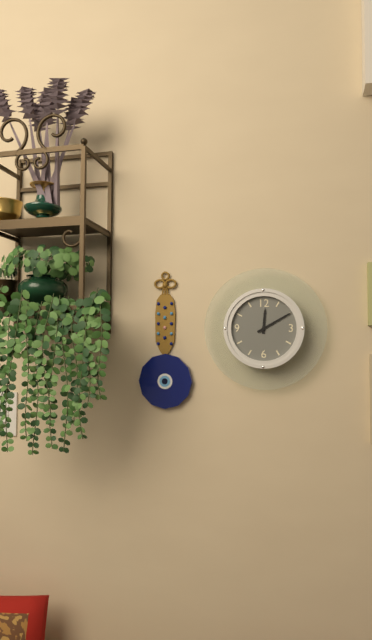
12:10
